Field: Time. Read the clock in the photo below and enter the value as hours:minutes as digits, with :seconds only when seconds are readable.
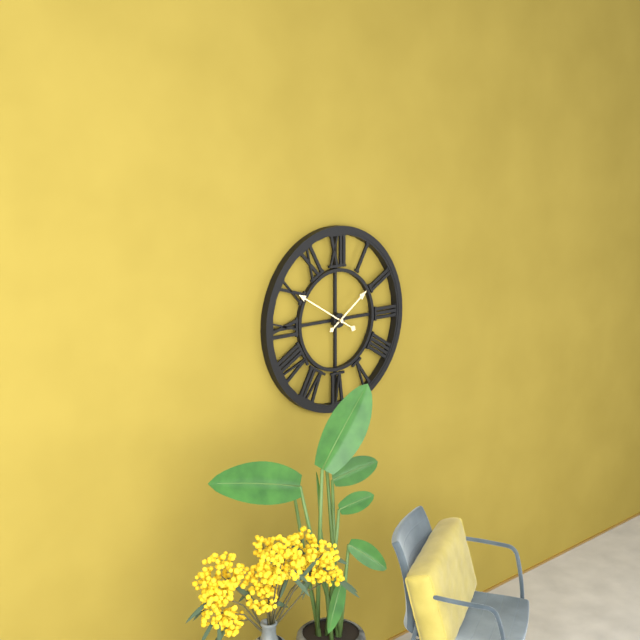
1:50
